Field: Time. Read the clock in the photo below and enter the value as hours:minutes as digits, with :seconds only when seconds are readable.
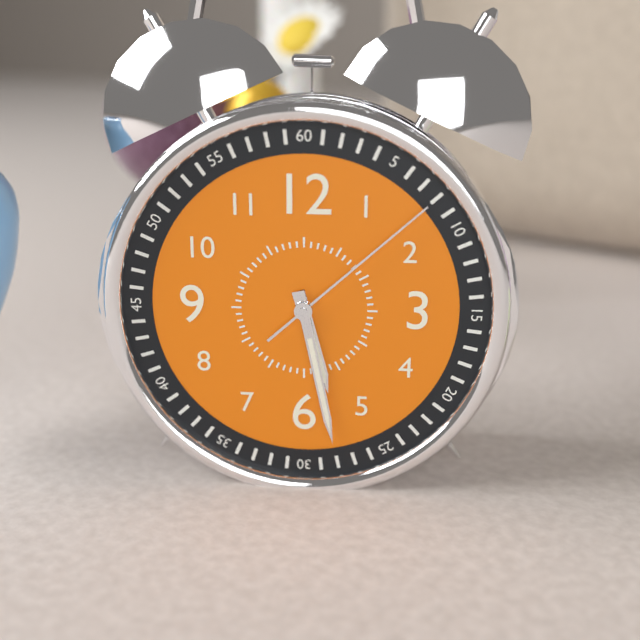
5:28:08
